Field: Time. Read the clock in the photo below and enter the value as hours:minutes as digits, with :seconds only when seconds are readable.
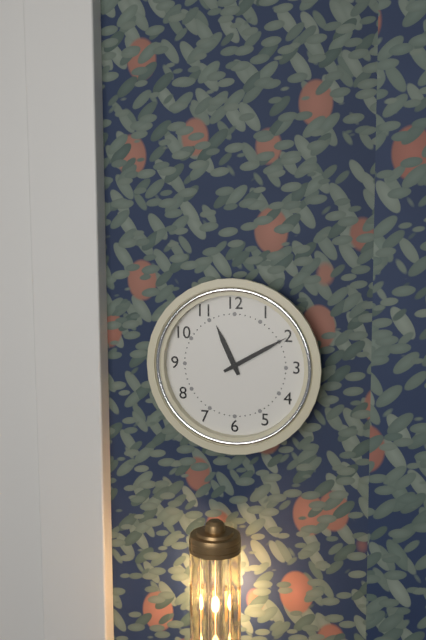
11:10
